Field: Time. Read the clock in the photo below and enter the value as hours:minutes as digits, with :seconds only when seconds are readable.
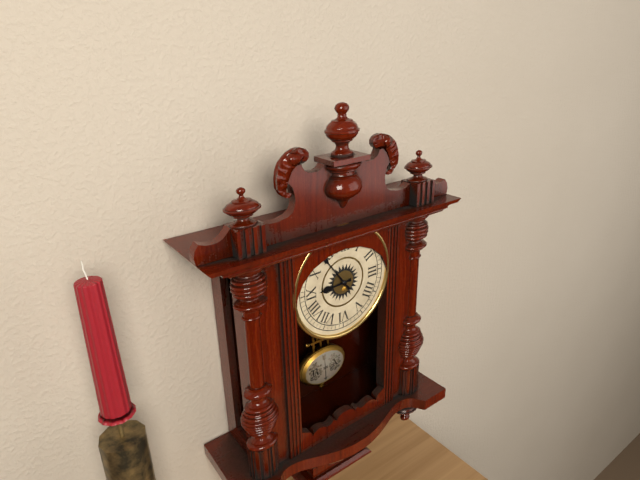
8:54
